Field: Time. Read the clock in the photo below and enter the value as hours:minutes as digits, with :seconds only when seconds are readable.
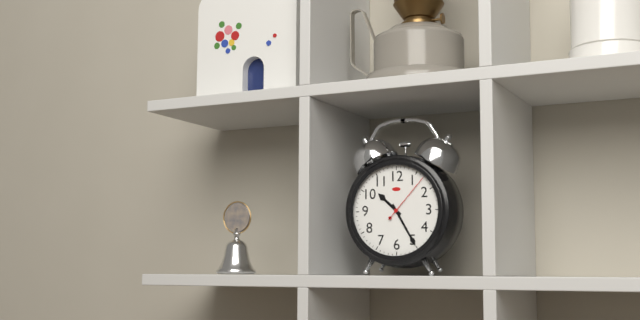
10:25:07
